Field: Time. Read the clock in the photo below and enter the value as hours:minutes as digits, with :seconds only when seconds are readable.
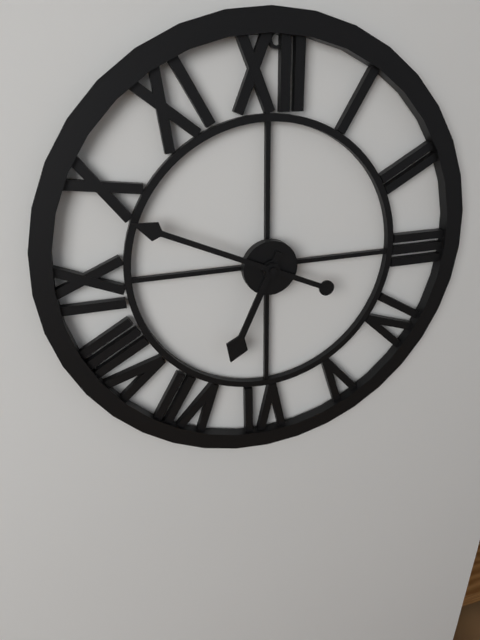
6:49
